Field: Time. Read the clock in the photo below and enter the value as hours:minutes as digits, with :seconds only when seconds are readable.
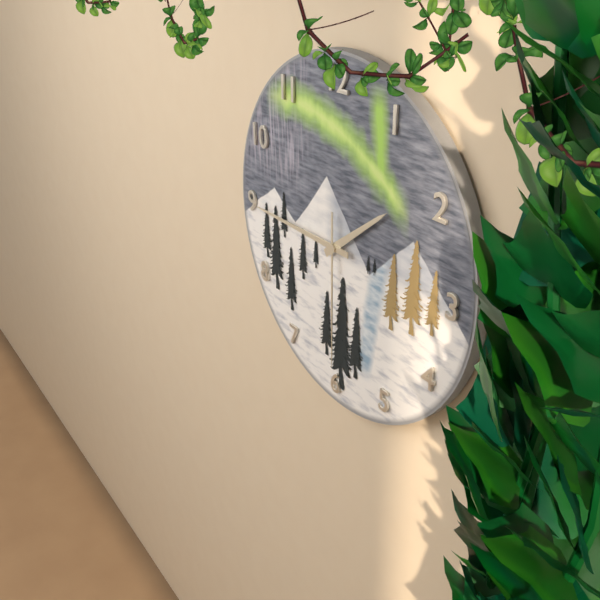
1:45:30
